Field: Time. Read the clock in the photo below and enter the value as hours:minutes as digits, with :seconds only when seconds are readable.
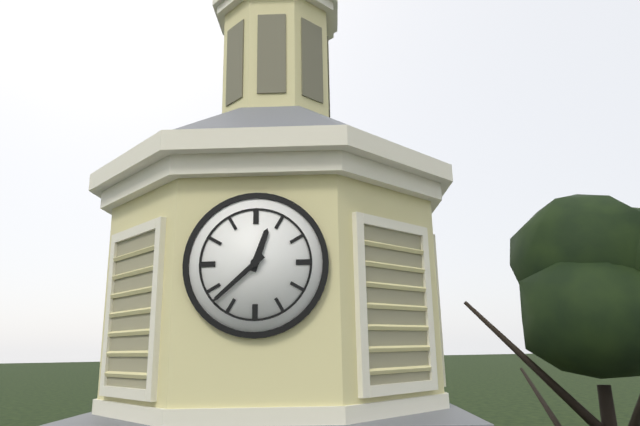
12:38
